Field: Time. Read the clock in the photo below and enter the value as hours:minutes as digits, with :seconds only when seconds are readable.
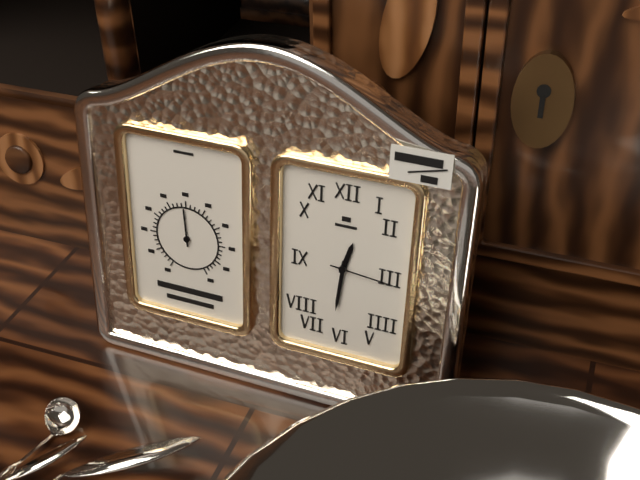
12:31:16
